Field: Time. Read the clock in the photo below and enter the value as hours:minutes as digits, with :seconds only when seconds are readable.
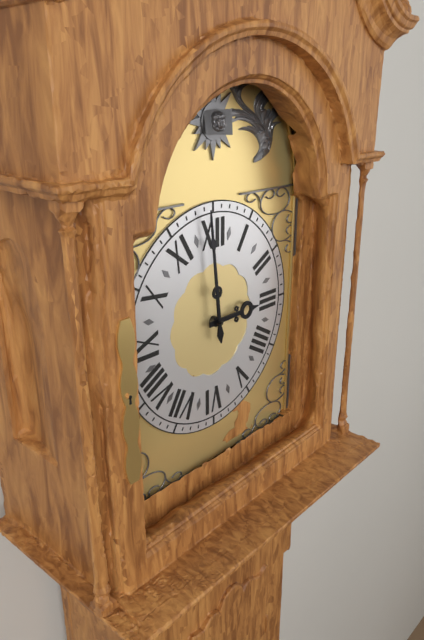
2:59
